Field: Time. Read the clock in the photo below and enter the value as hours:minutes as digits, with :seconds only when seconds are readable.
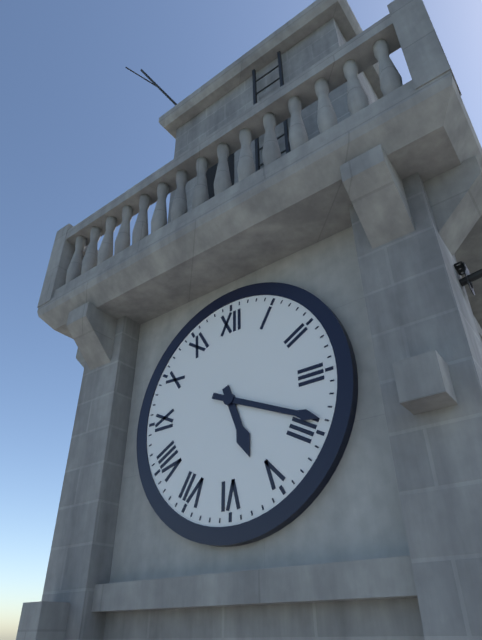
5:19
